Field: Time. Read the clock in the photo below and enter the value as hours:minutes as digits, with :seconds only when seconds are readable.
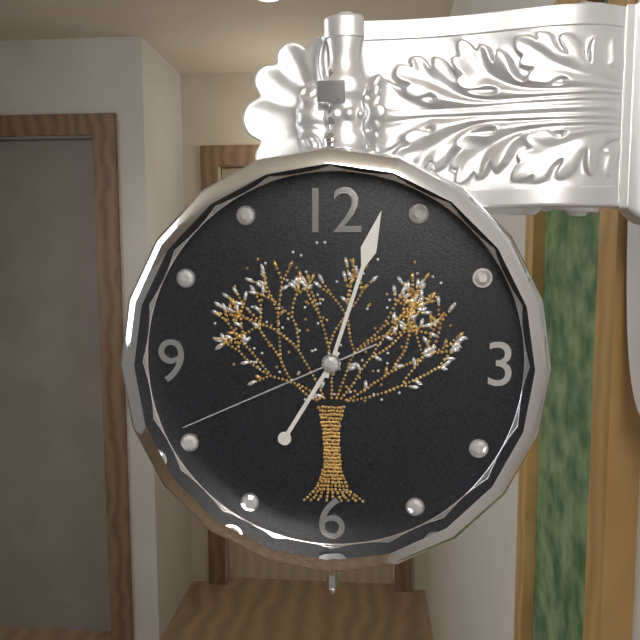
7:03:41
